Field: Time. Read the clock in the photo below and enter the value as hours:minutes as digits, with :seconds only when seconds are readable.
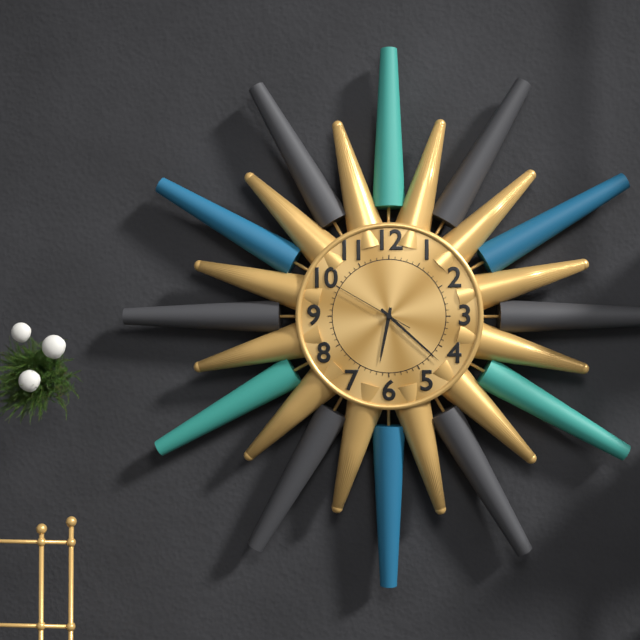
6:22:50
